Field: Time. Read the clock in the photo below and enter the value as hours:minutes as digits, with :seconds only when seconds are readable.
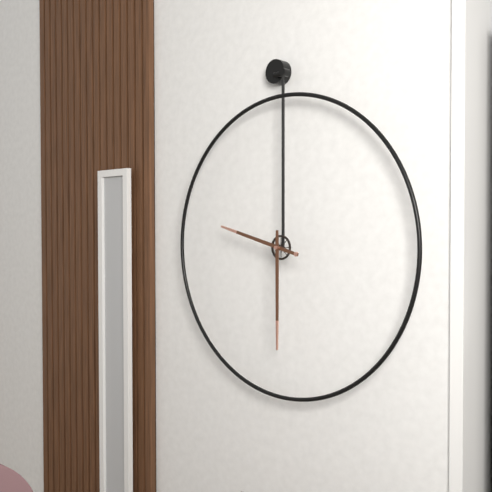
9:30
